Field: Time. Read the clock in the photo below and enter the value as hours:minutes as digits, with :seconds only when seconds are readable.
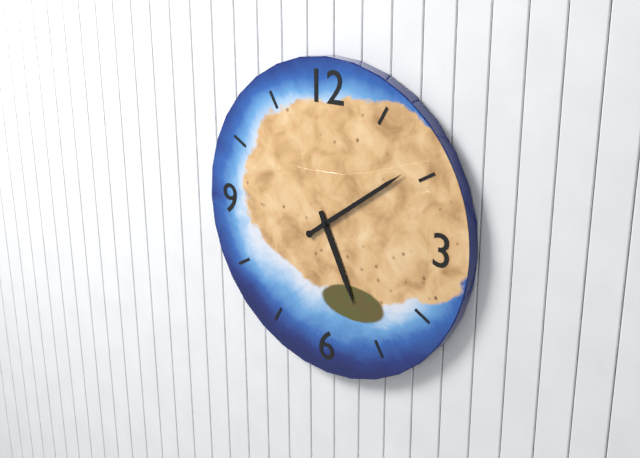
5:09
